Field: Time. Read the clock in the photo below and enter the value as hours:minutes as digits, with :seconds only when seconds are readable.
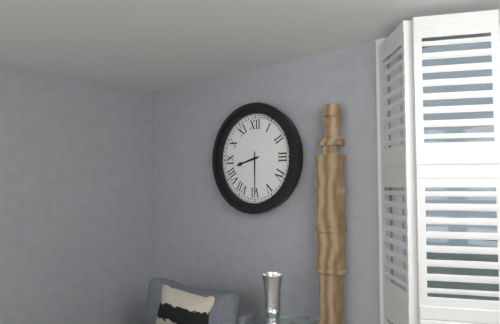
8:30
